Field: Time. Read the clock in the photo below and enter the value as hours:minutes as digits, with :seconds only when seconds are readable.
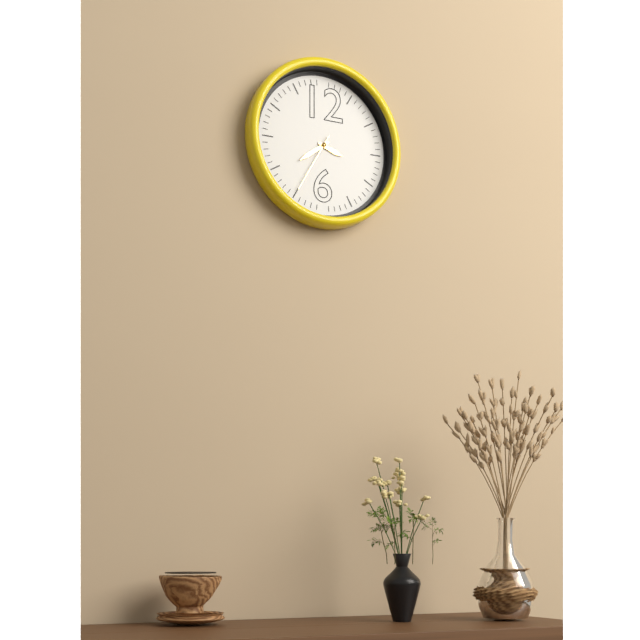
3:39:35
